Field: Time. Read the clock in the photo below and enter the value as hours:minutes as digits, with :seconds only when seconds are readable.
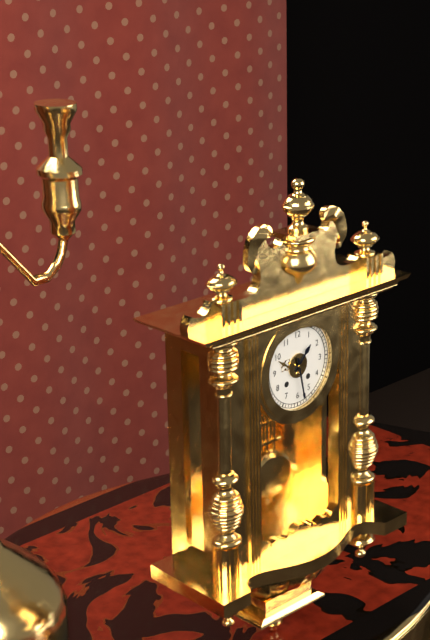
1:28
